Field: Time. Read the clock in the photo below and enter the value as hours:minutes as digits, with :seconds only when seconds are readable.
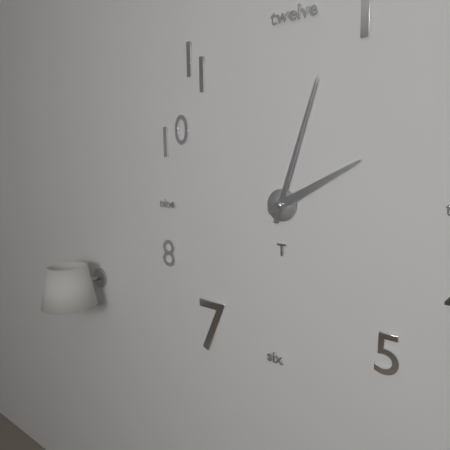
2:03
